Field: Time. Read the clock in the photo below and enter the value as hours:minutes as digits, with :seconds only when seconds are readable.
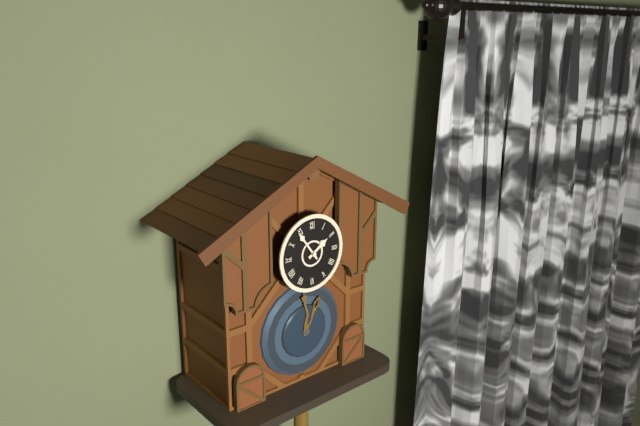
1:54
